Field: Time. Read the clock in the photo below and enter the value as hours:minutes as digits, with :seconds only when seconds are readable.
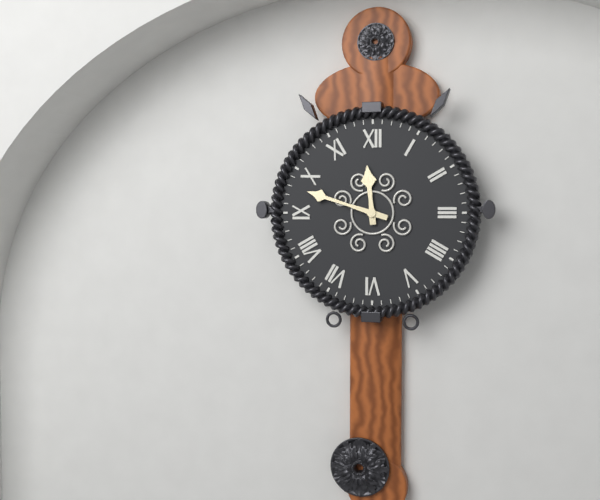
11:48
